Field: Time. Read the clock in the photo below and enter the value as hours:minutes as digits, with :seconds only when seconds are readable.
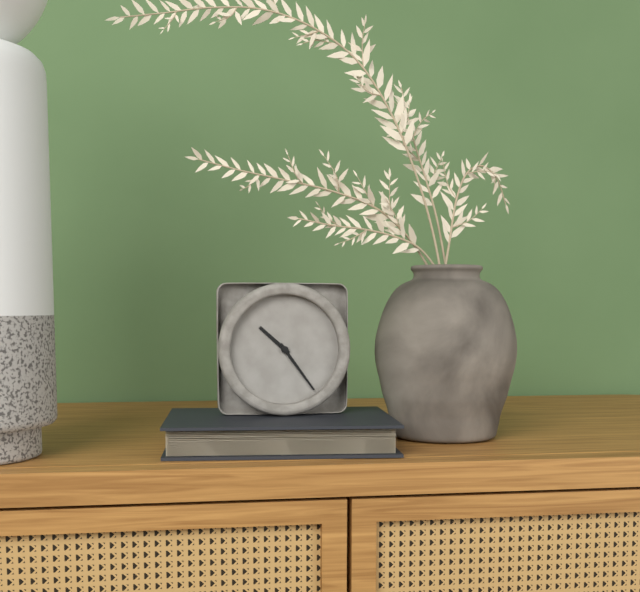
10:24
